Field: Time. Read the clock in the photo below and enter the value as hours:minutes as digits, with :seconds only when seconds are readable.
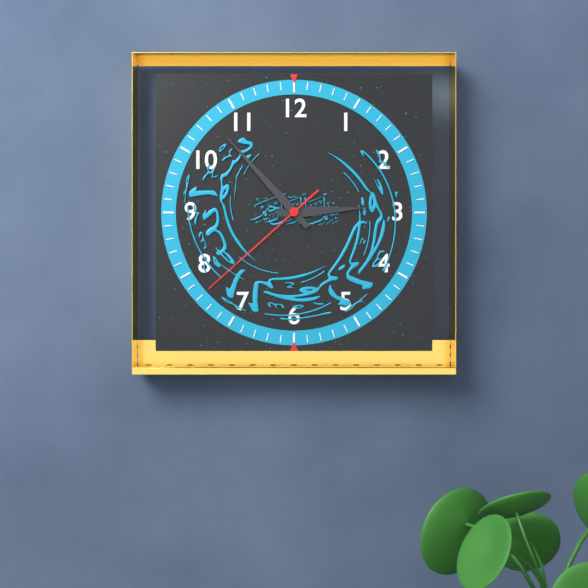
2:53:38
